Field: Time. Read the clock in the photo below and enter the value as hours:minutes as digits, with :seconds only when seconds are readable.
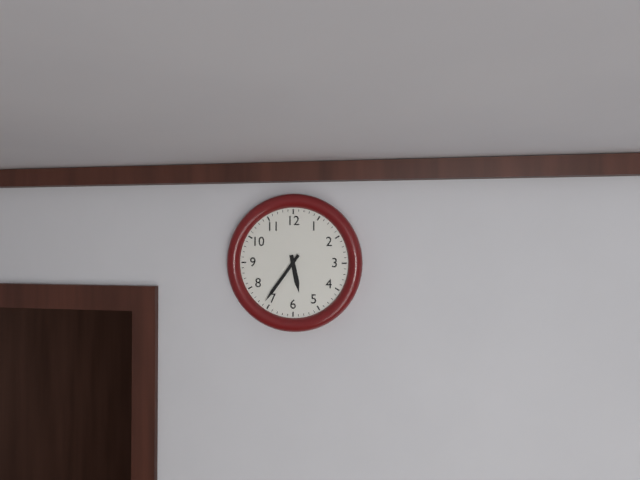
5:36
